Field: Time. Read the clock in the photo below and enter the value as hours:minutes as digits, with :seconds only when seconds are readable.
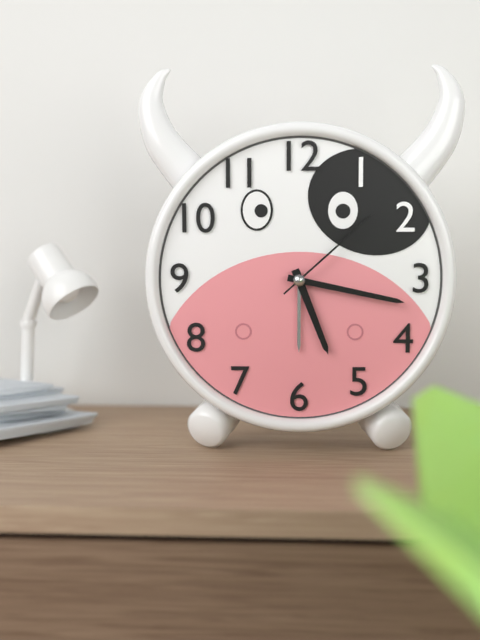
5:17:08
